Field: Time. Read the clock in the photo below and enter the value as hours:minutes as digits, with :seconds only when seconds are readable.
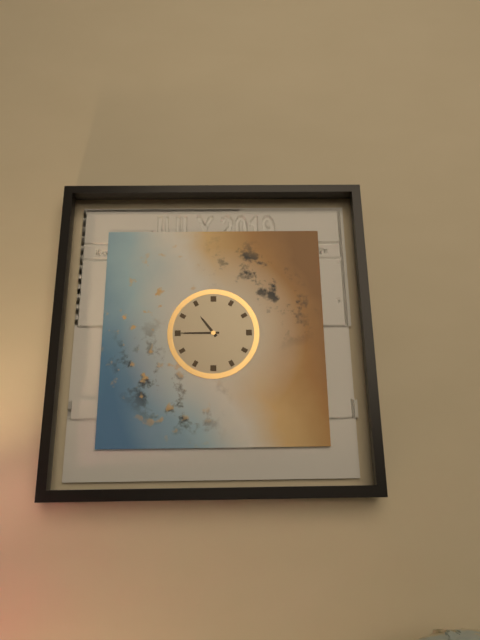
10:45
